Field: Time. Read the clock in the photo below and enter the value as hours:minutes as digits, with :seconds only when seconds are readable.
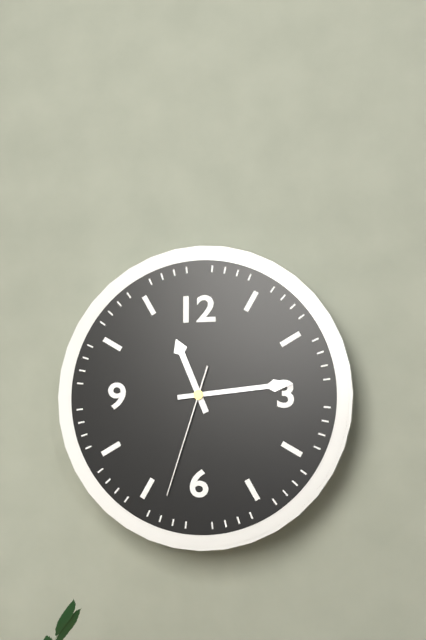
11:14:33
